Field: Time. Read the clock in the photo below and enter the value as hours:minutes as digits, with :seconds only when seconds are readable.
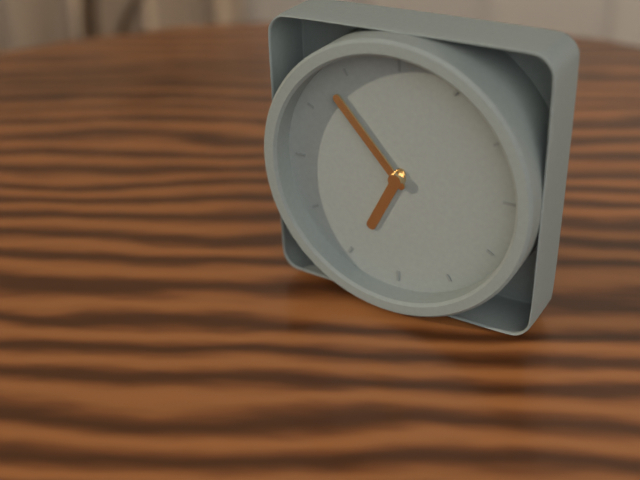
6:53
